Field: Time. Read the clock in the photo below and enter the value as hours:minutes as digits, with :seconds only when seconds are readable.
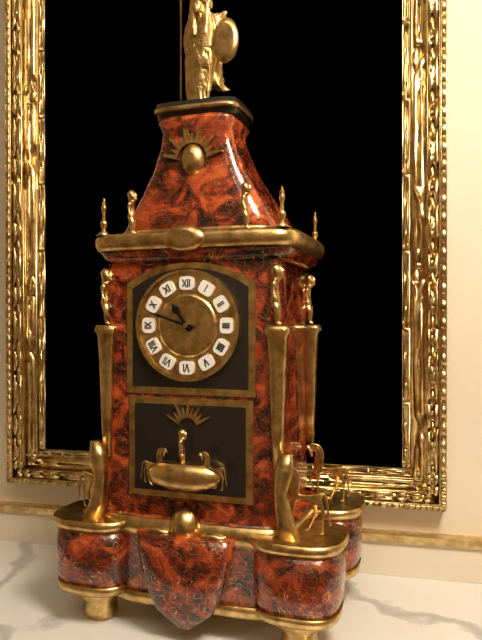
10:48
